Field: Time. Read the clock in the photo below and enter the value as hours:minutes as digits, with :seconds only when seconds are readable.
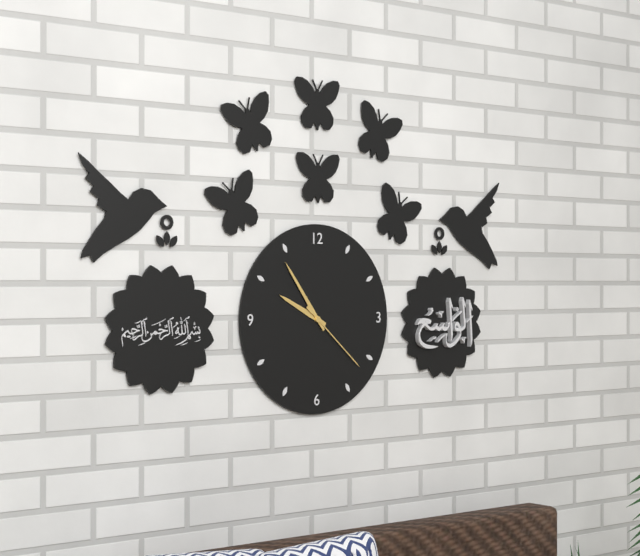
9:54:22
